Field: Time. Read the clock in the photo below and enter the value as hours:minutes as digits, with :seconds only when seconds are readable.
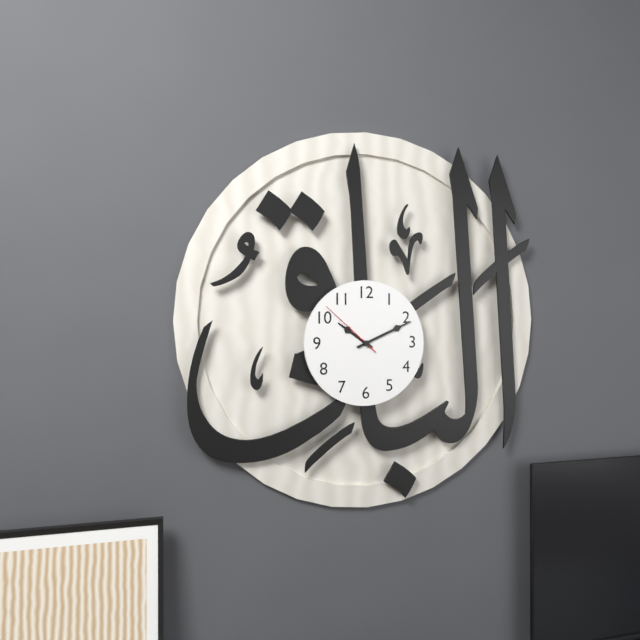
10:11:52
